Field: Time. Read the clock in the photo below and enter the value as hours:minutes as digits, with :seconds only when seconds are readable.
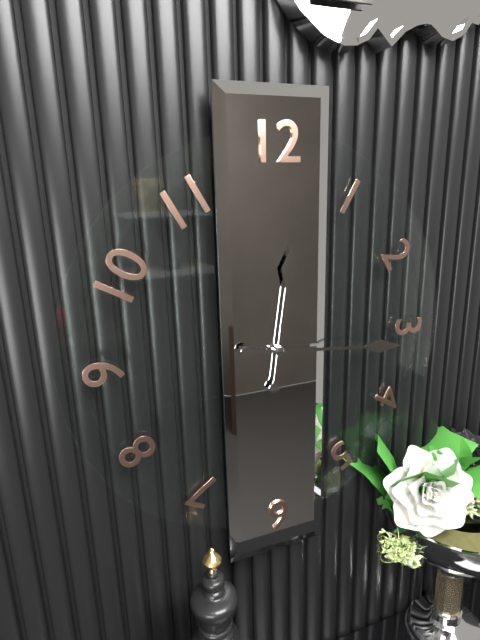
12:16
